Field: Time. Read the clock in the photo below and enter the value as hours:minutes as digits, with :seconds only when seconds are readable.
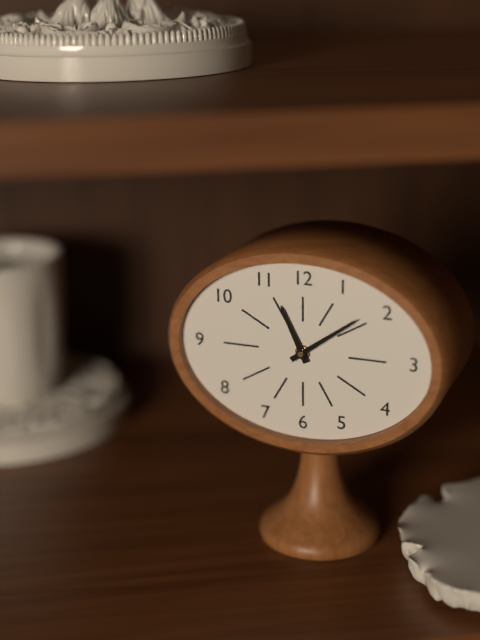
11:09
